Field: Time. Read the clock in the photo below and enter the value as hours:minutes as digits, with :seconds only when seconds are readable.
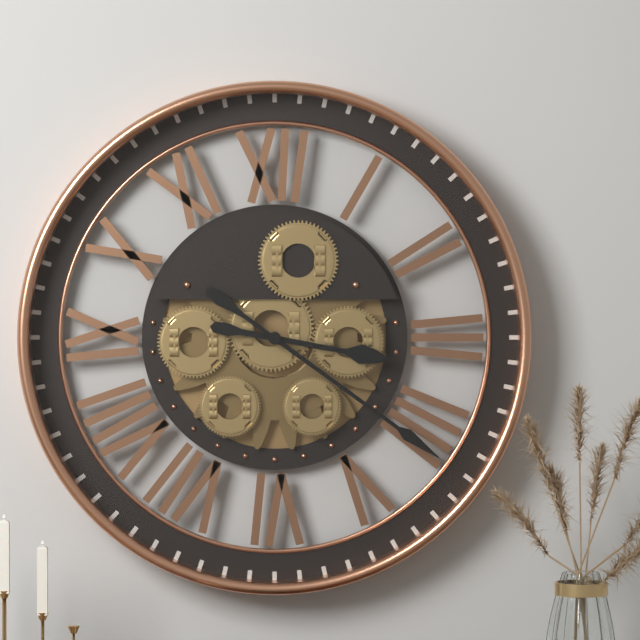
3:21
